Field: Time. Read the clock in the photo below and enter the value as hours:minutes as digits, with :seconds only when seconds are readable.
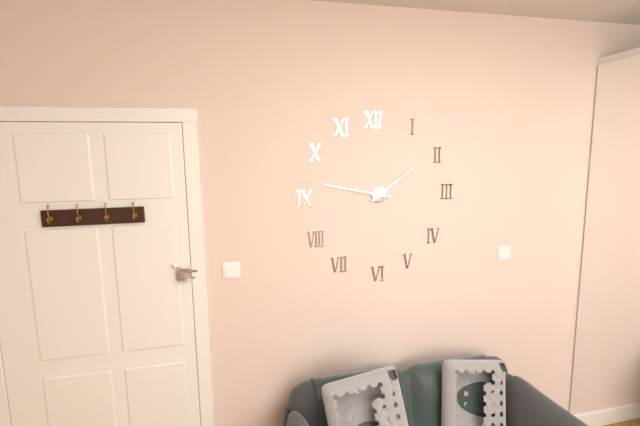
1:47
